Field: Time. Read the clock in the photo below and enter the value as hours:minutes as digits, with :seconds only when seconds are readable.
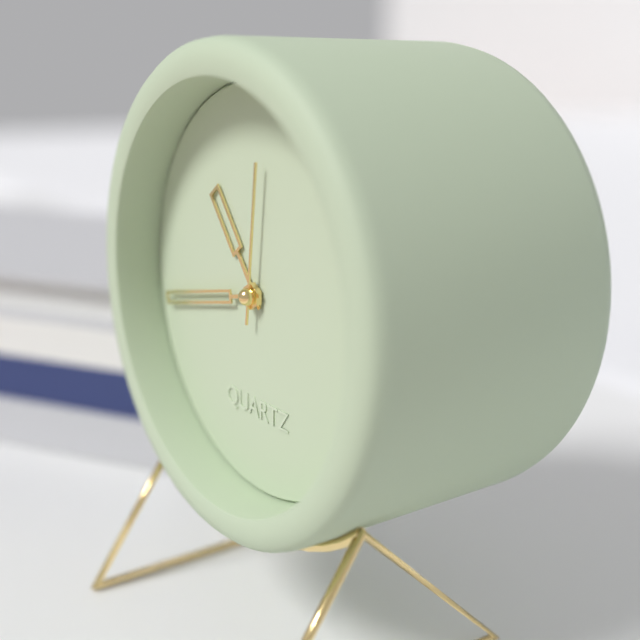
10:43:01
